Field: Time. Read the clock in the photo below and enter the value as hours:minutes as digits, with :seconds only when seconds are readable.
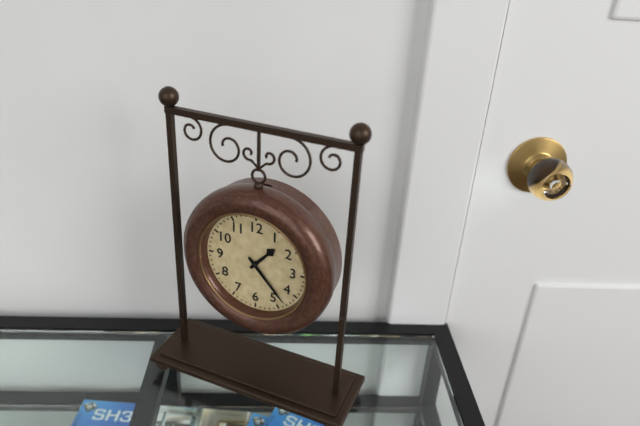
1:23
